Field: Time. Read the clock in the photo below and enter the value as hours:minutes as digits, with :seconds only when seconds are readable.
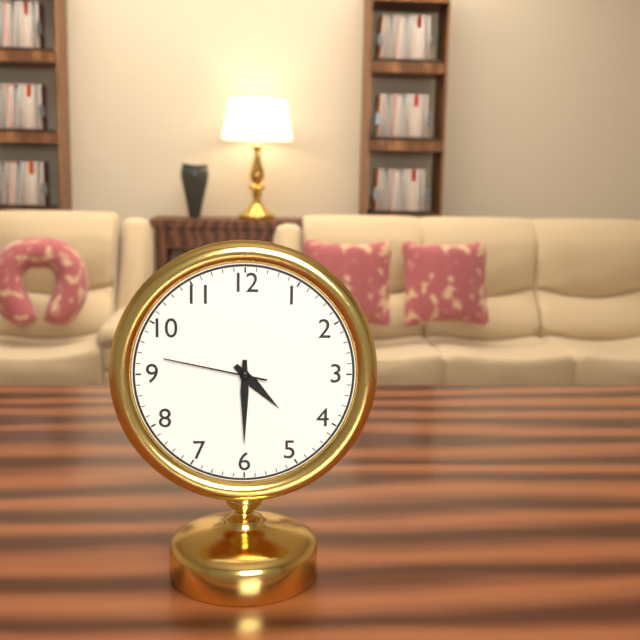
4:30:47
